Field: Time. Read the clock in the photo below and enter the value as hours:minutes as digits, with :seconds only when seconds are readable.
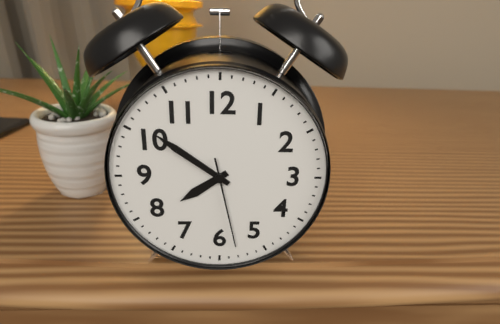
7:51:28
